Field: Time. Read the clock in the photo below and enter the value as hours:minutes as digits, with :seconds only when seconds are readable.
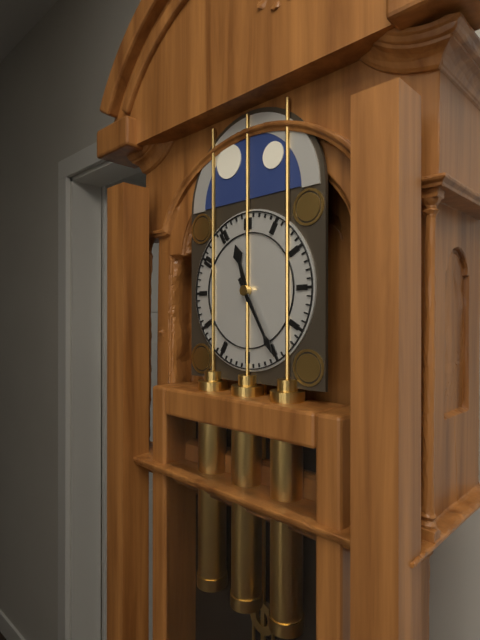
11:25
